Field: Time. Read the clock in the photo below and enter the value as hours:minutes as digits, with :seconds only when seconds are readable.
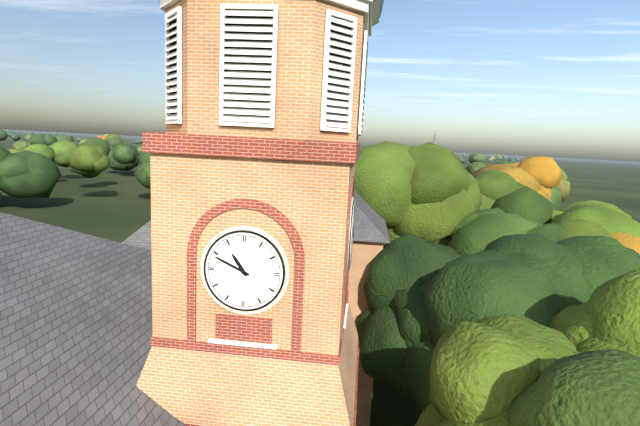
10:49
